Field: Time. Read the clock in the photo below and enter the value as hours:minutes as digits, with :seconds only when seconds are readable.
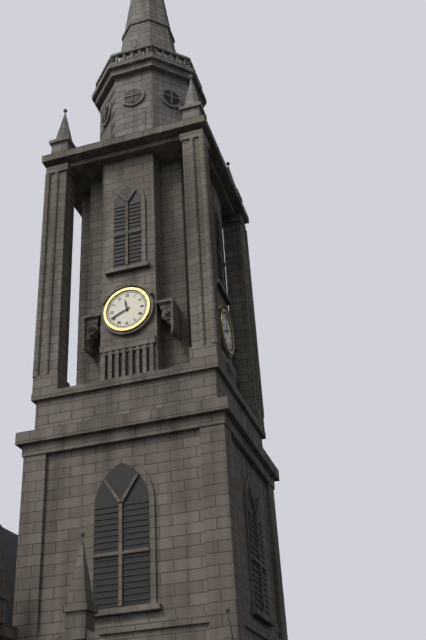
11:41
